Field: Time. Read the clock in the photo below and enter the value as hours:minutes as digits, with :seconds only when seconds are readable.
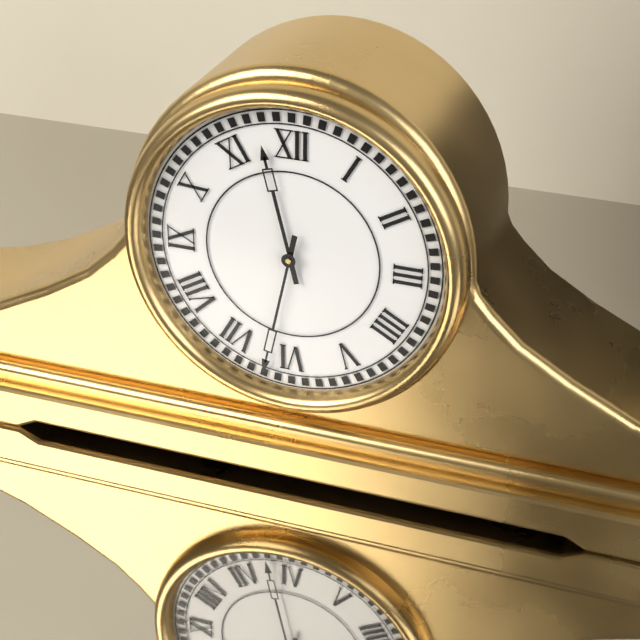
11:32
